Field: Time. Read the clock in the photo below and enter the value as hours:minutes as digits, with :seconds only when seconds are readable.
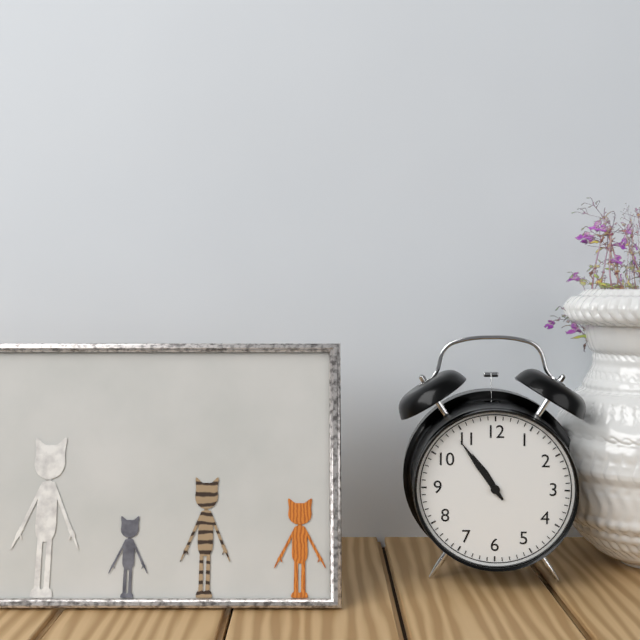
10:54
